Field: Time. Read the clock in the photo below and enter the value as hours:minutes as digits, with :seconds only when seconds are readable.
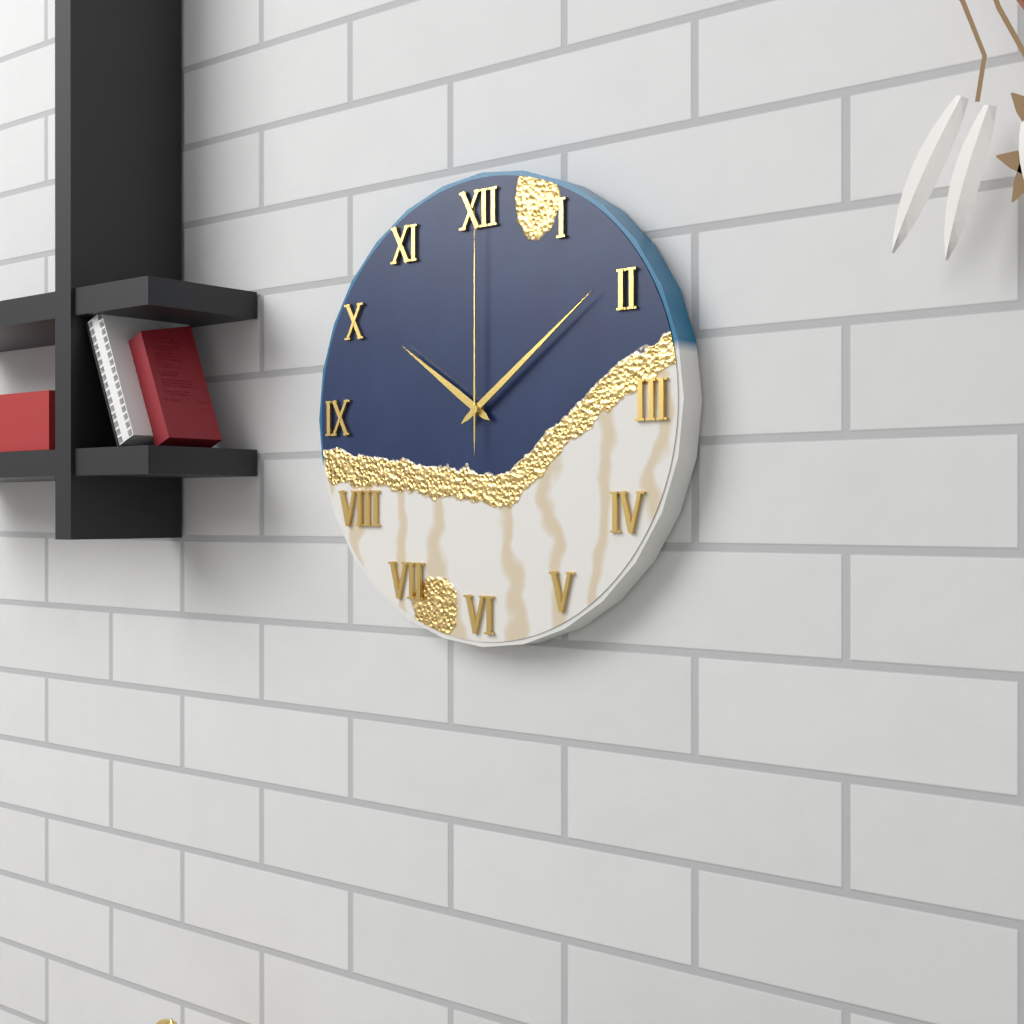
10:09:00
